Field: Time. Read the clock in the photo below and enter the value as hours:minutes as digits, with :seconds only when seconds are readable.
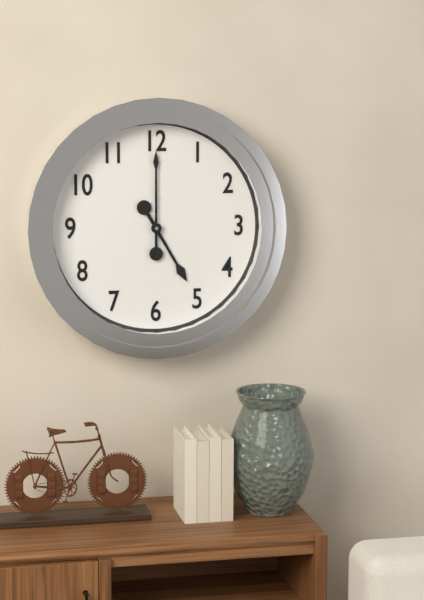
5:00
